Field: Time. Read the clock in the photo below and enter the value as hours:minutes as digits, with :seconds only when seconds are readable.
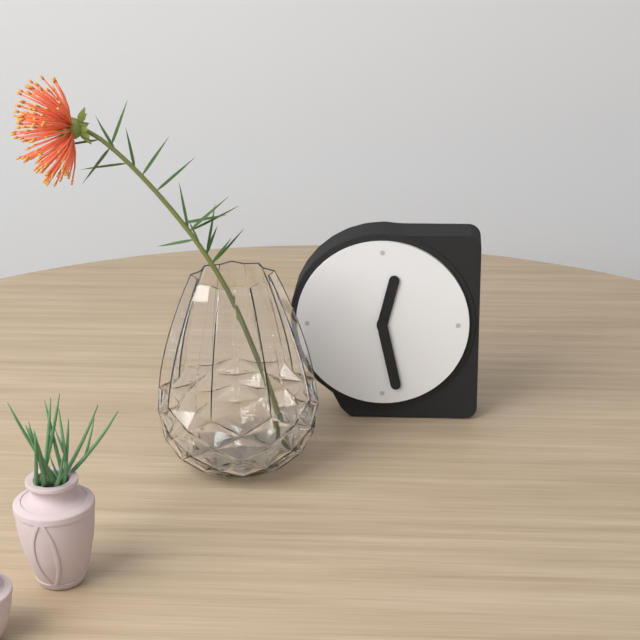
12:28
